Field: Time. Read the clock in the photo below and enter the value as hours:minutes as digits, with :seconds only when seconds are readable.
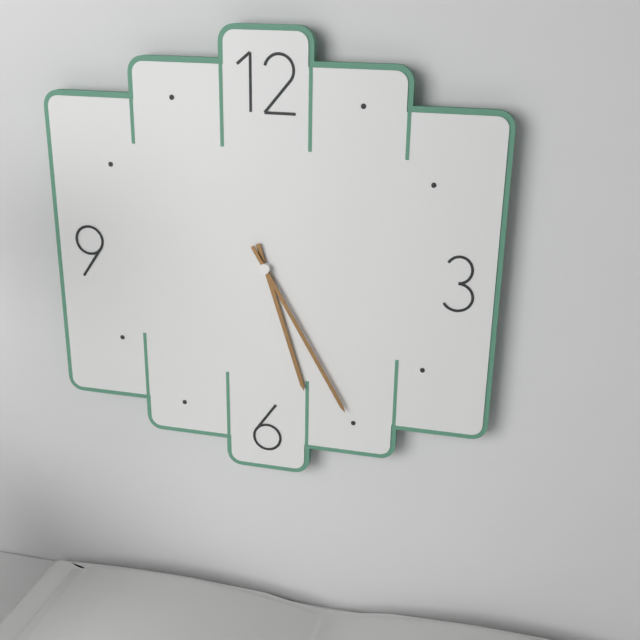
5:25
